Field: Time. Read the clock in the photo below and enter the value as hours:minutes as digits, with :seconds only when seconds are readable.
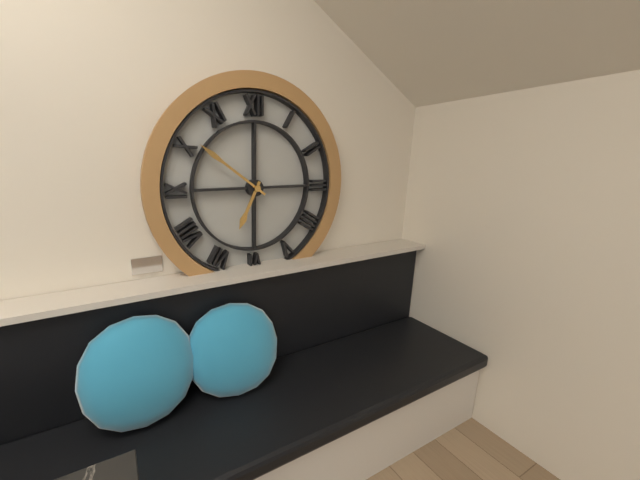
6:51
